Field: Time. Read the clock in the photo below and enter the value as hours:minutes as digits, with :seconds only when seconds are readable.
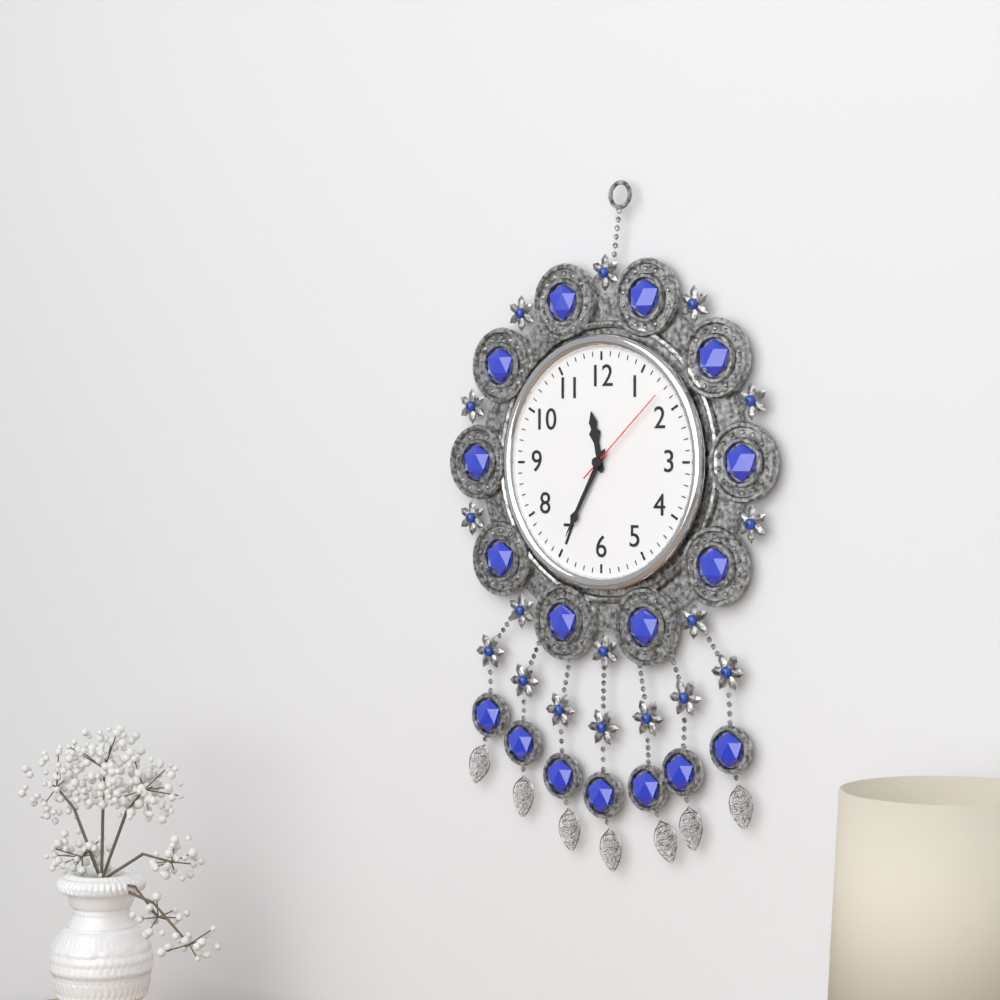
11:35:08
